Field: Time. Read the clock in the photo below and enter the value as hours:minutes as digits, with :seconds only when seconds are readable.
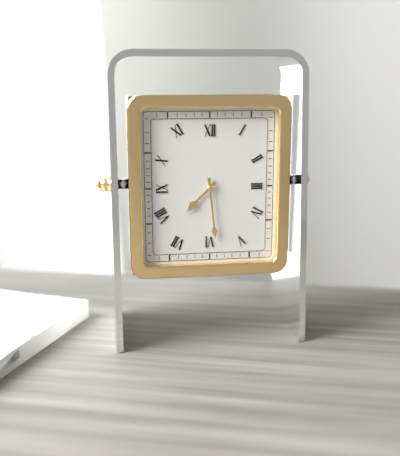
7:29
